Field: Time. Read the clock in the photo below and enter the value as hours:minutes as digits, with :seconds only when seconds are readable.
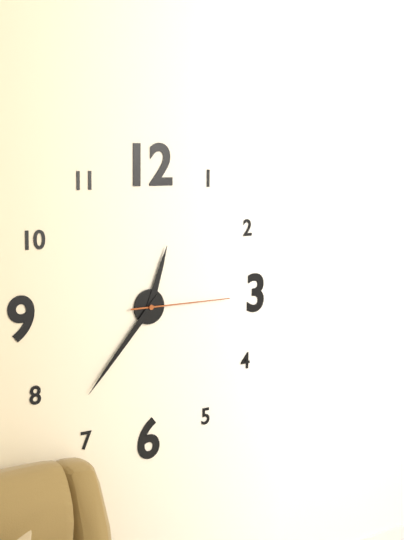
12:37:15
